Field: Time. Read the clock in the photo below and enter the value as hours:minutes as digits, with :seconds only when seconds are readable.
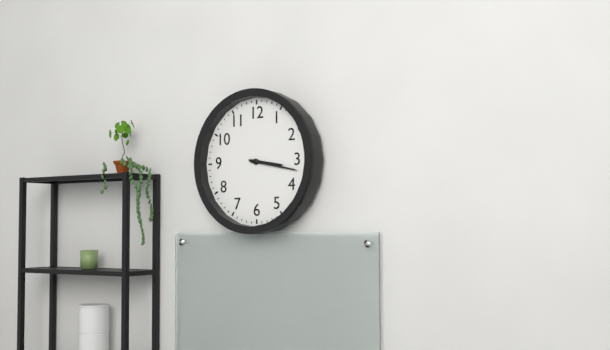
3:17
